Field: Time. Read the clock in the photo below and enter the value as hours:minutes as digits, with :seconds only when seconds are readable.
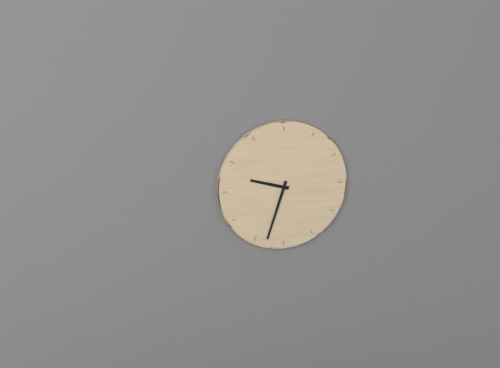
9:33
